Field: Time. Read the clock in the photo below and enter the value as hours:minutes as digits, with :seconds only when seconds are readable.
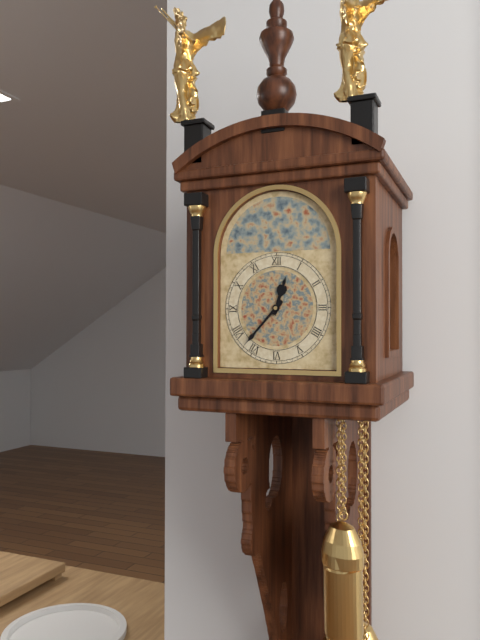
12:37
